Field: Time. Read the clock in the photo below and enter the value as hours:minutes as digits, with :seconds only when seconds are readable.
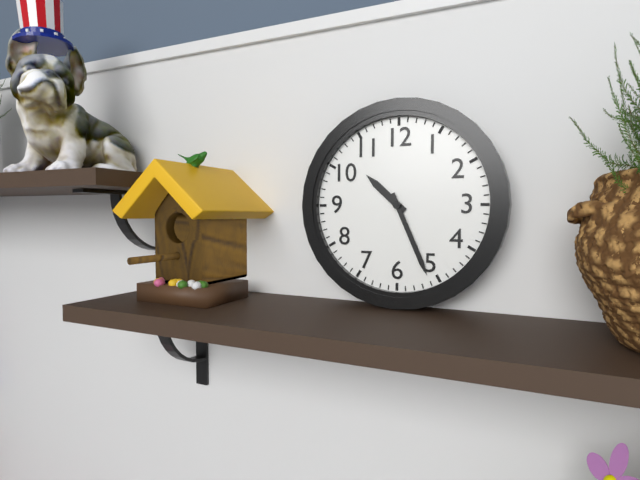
10:26
